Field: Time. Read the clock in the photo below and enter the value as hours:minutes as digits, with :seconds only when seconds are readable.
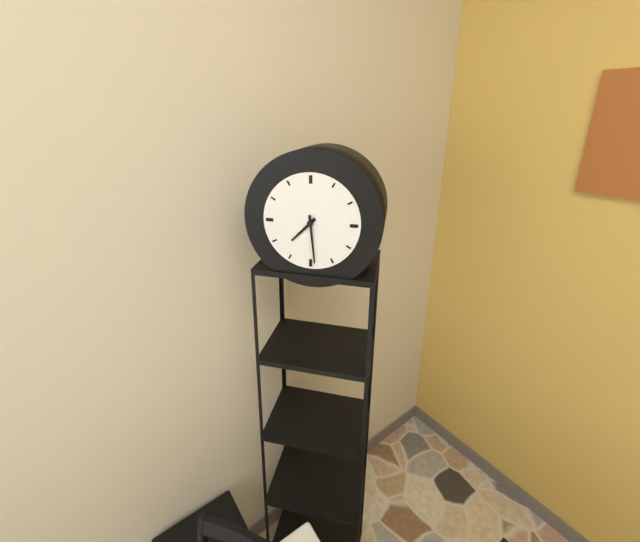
7:29
